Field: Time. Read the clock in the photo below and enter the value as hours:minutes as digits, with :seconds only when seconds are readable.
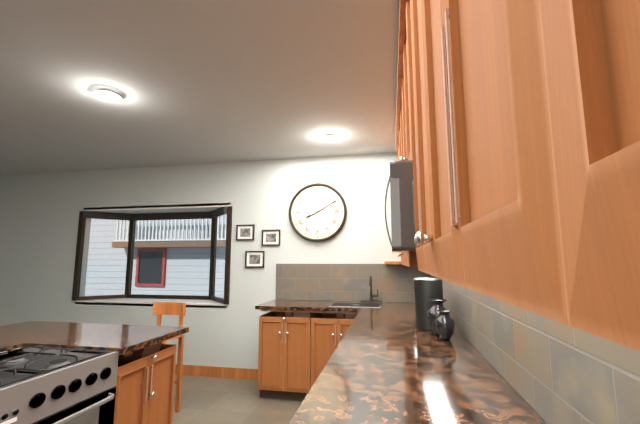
8:10
